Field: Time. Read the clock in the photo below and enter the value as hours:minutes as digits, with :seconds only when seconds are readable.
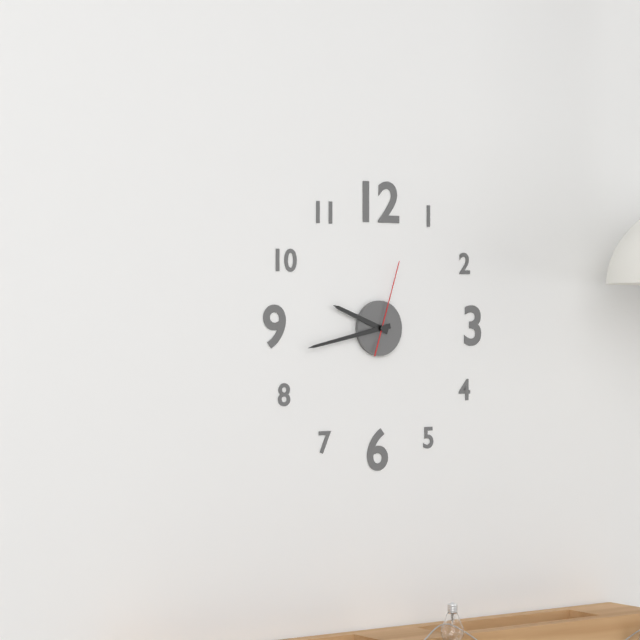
9:43:03
